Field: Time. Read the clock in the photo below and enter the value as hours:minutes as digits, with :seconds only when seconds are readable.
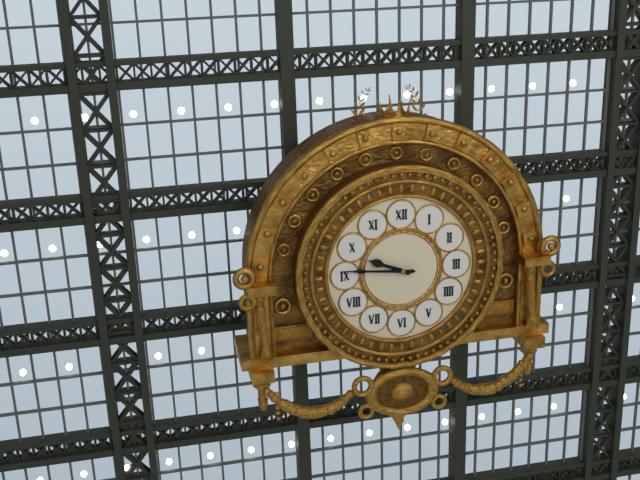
9:46
